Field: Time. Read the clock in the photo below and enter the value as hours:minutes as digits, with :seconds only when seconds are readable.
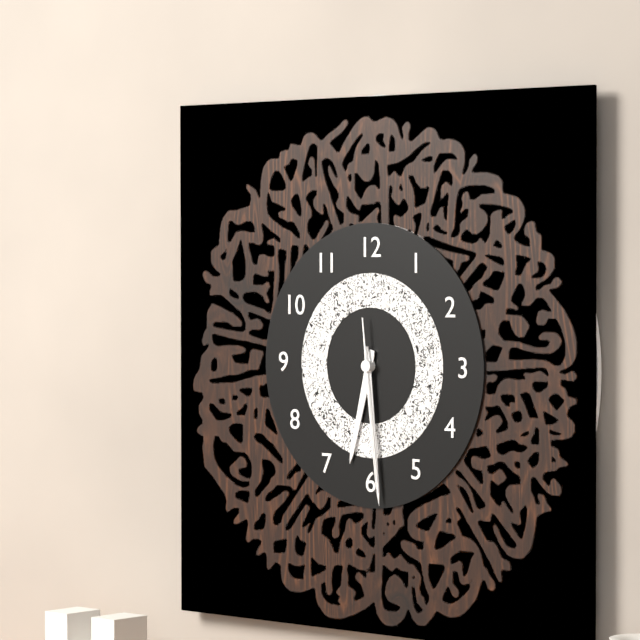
6:29:29
